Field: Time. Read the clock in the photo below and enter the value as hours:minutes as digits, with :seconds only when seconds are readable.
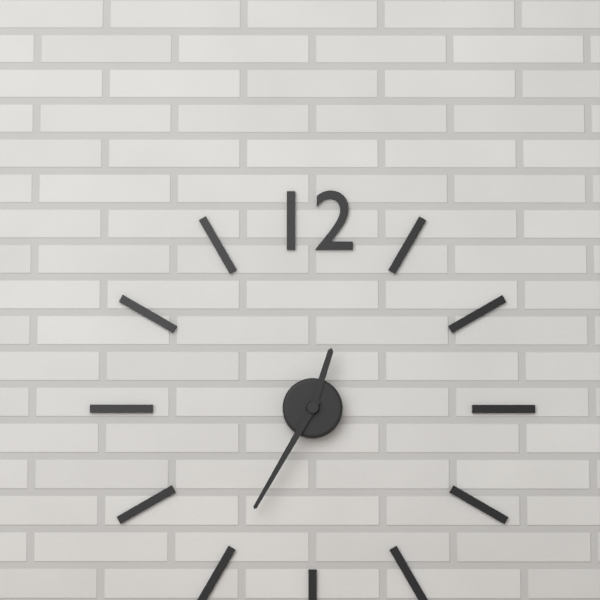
12:35
